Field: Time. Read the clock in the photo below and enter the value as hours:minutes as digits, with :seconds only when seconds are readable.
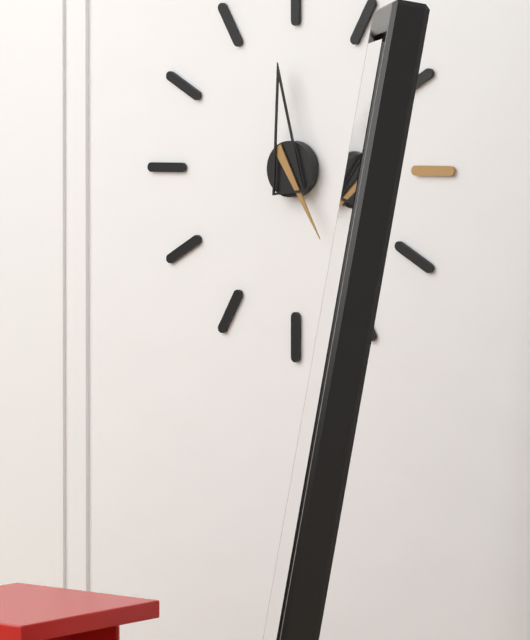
4:59
